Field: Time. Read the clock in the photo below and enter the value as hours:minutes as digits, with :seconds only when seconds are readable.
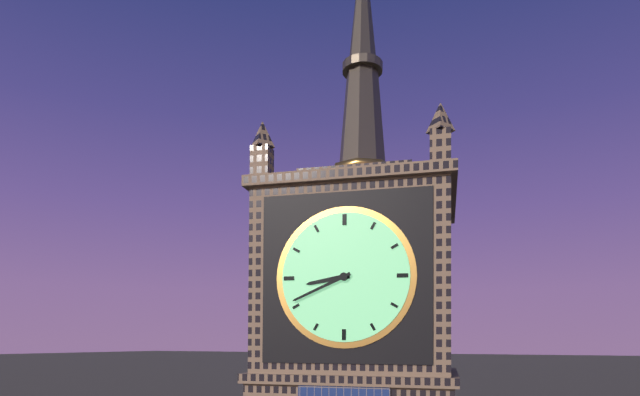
8:41
